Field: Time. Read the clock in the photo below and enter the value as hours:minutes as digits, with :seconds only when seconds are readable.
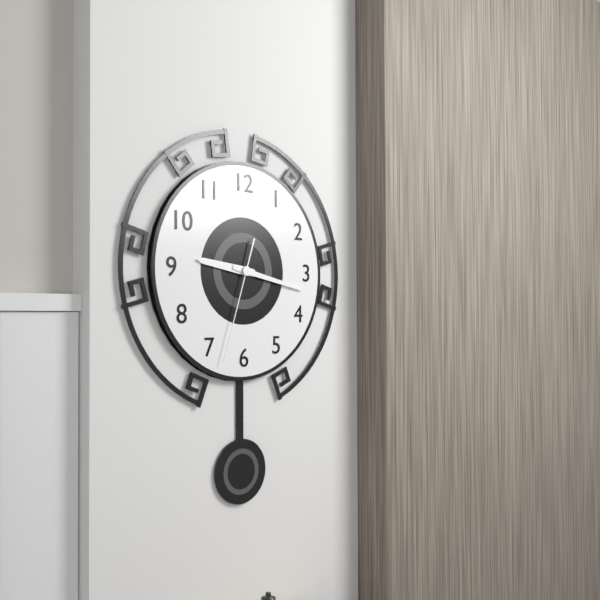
9:17:33
